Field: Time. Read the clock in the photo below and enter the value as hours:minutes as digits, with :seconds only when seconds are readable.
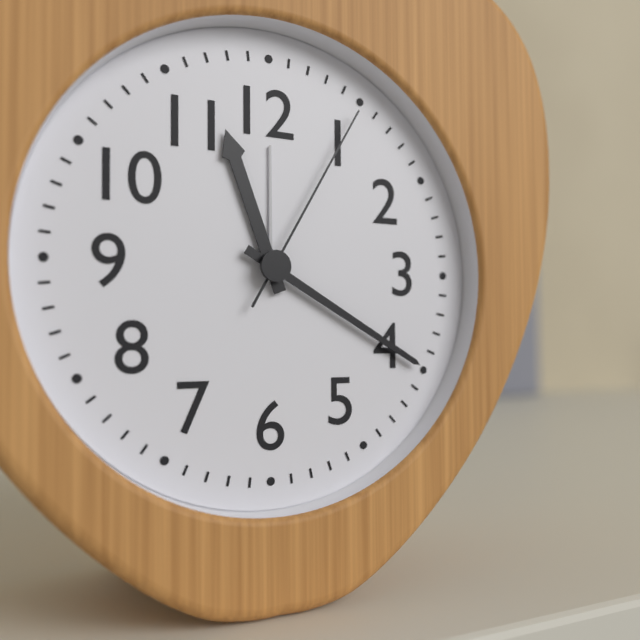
11:20:05
